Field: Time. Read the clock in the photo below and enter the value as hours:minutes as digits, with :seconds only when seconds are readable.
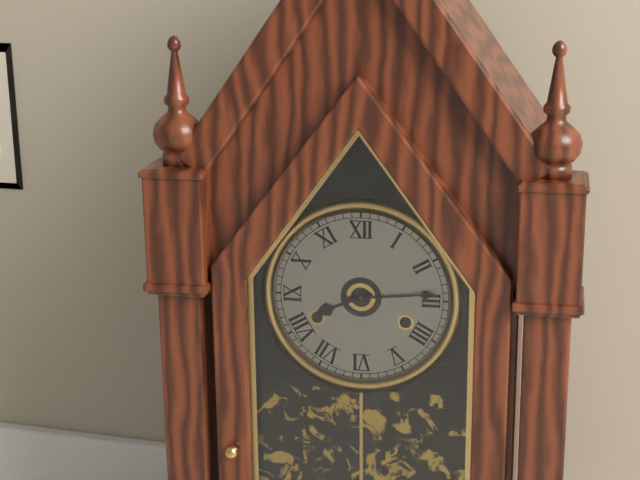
8:14
